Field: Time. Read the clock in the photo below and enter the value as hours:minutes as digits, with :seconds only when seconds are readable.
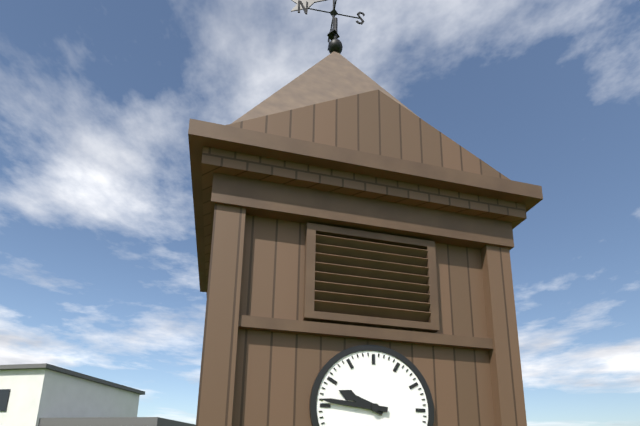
9:46
